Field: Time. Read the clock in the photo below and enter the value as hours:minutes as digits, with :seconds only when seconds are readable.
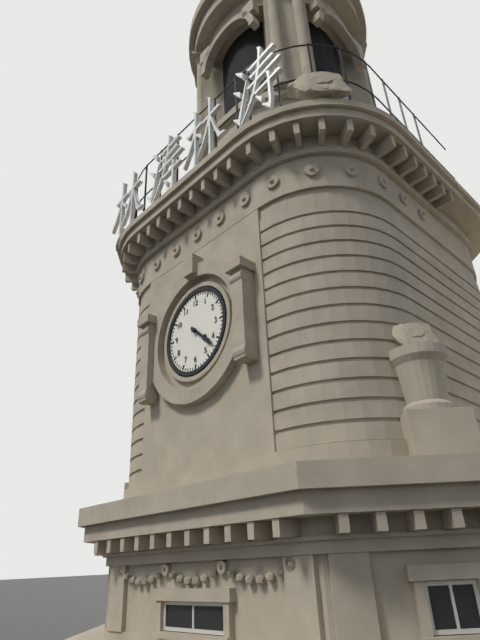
4:22
